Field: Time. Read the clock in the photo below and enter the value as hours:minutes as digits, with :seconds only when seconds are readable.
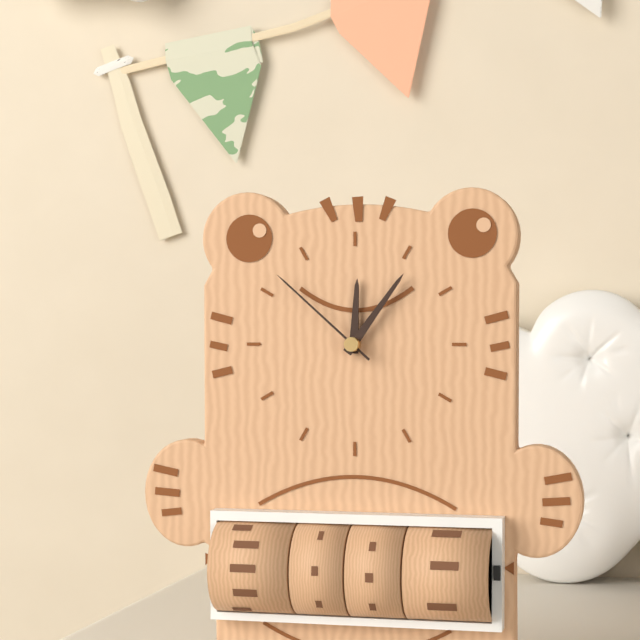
12:06:52
